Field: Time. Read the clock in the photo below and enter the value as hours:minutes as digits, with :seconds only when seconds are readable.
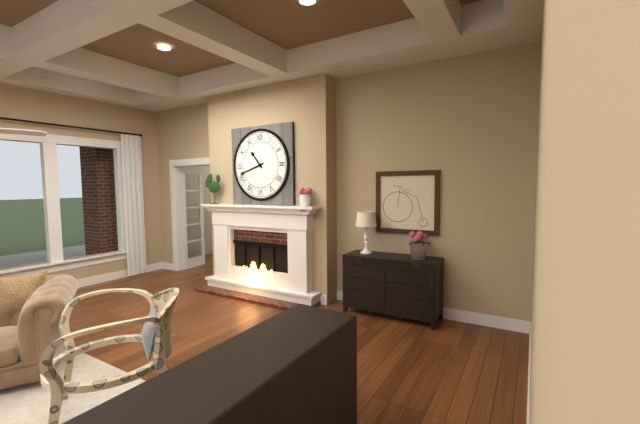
10:42
